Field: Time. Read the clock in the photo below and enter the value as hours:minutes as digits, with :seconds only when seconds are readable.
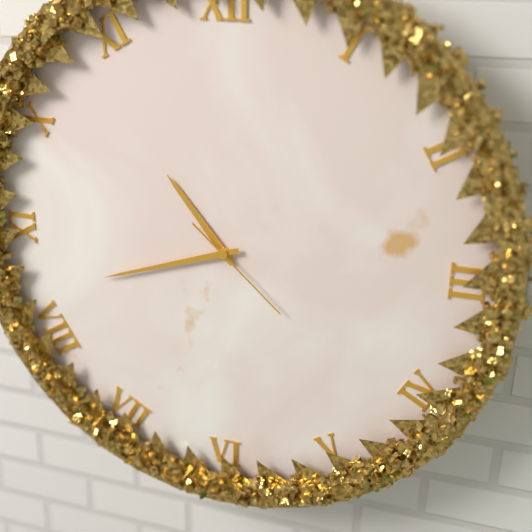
10:42:22
